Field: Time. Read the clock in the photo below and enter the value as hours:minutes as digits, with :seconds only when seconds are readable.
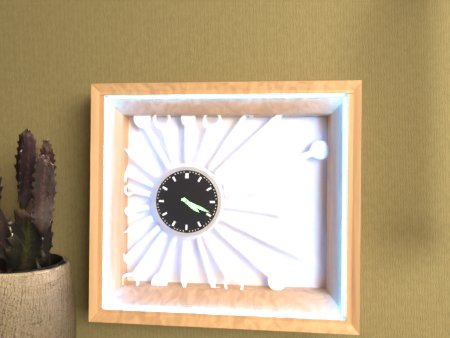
4:19
